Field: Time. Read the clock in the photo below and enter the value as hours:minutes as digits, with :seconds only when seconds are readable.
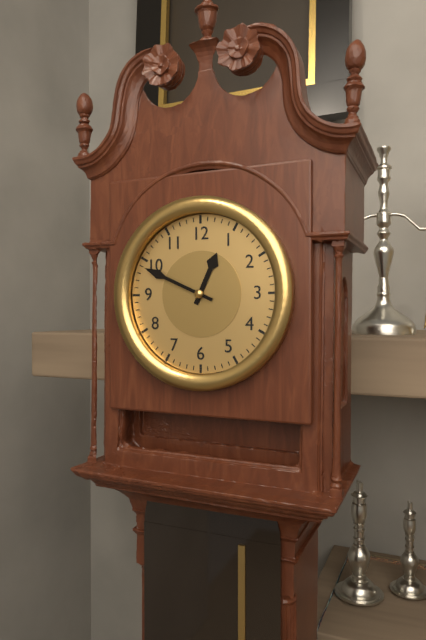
12:49
